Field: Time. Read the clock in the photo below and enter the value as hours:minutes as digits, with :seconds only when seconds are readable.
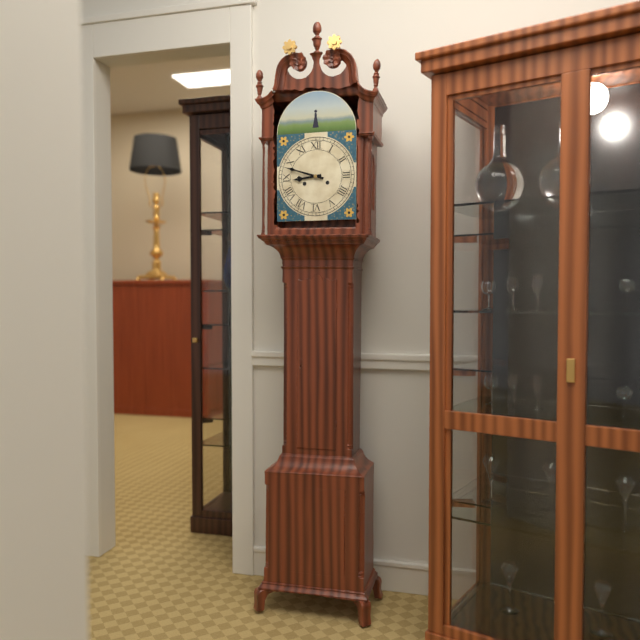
8:48
